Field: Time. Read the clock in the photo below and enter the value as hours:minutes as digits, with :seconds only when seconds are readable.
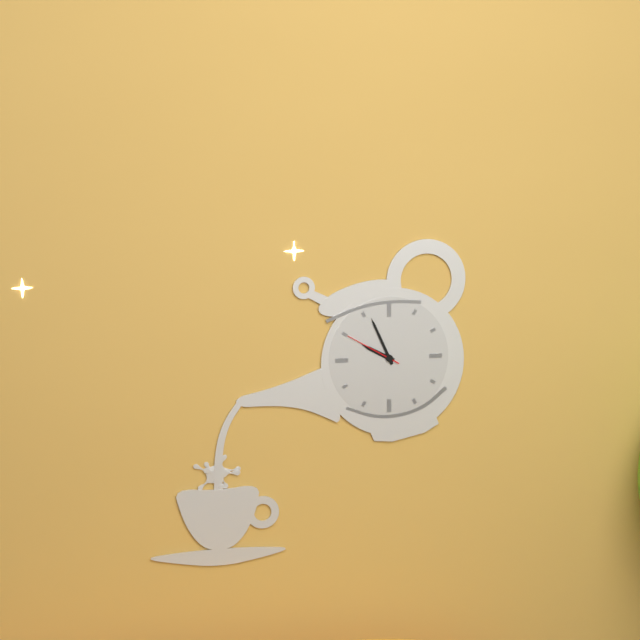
9:56:50
